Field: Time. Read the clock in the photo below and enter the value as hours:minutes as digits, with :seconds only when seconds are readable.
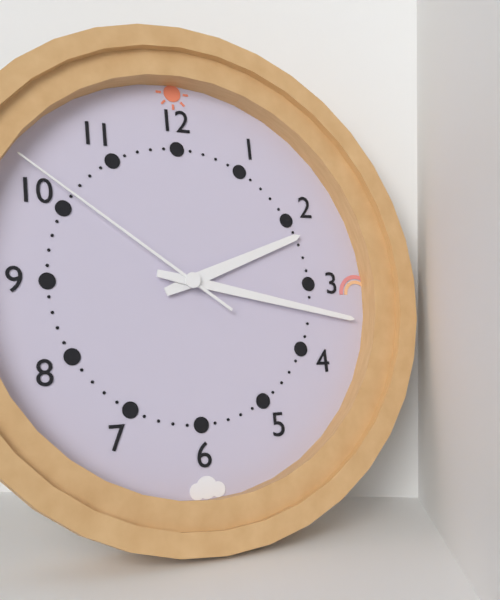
2:17:51
